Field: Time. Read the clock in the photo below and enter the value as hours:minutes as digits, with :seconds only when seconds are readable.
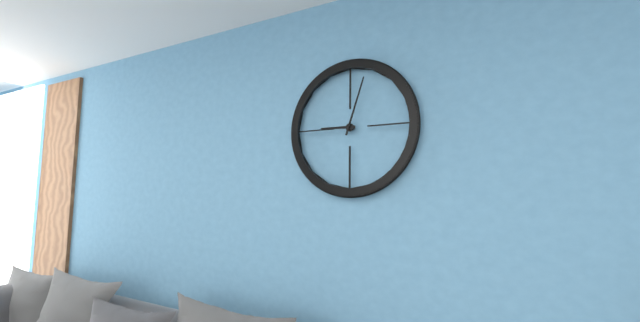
9:03
